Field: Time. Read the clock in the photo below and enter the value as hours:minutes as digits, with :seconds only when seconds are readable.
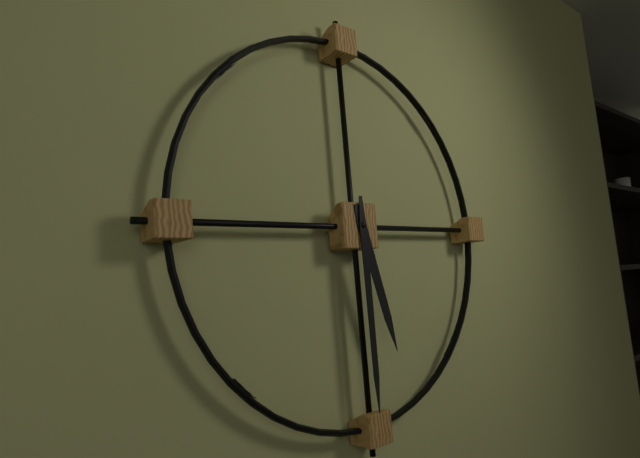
5:30
